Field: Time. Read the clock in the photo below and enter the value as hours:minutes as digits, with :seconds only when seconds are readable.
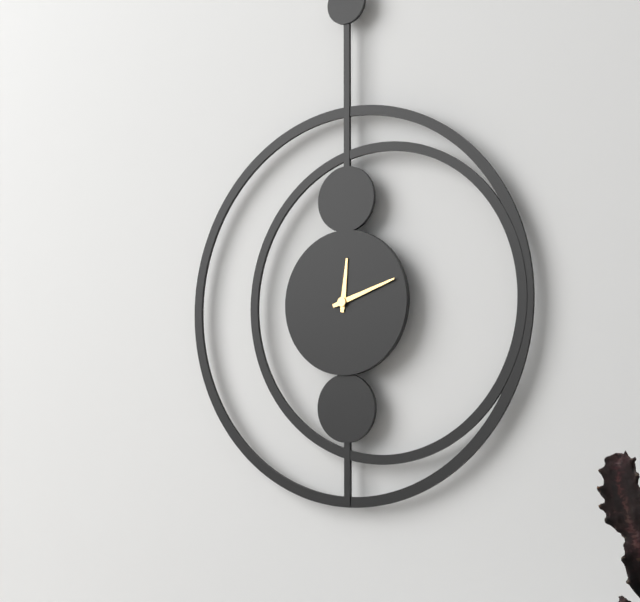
12:12
